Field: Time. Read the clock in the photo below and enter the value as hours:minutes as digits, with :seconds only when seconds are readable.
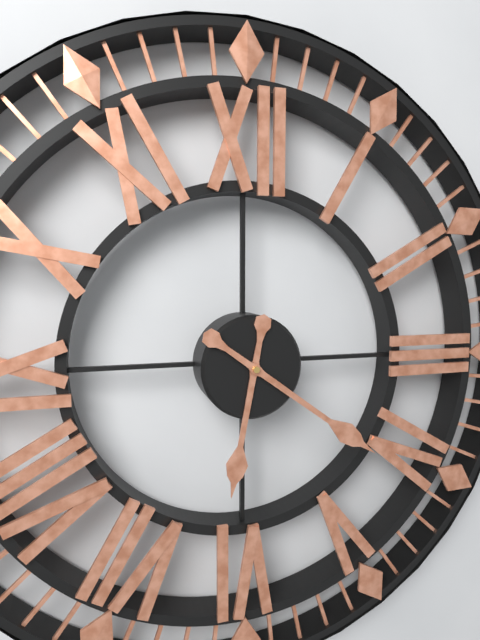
6:21
